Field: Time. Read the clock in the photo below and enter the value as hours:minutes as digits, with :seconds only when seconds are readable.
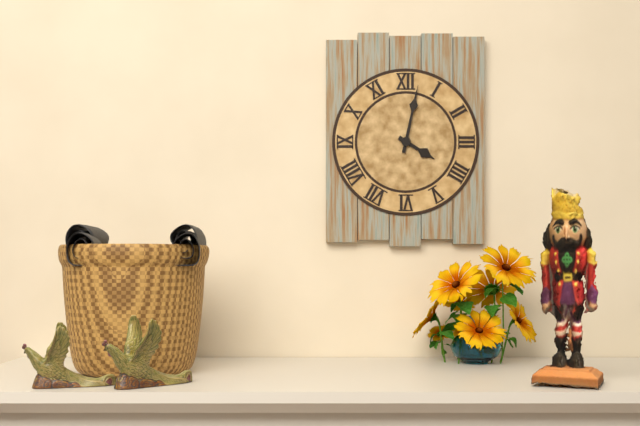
4:02
